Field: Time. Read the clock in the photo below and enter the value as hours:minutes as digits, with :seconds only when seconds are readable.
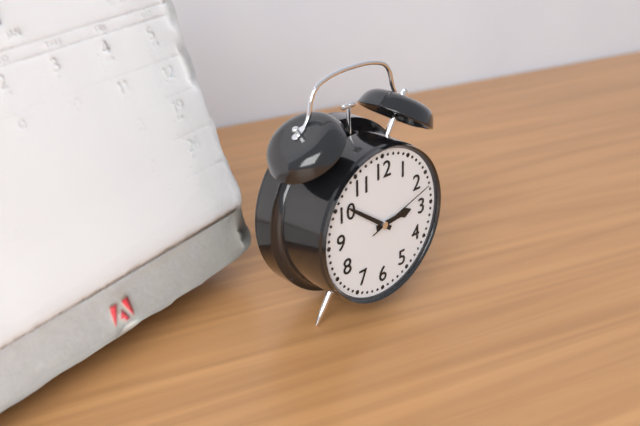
2:51:12
